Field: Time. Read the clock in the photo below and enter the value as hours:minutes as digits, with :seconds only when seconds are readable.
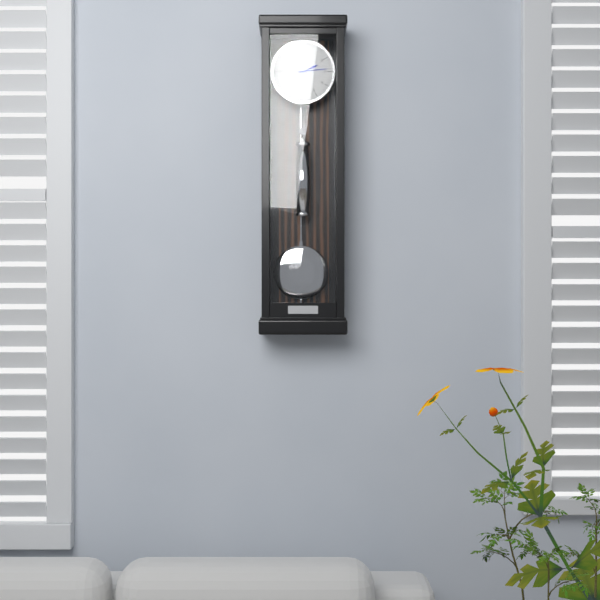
2:14
